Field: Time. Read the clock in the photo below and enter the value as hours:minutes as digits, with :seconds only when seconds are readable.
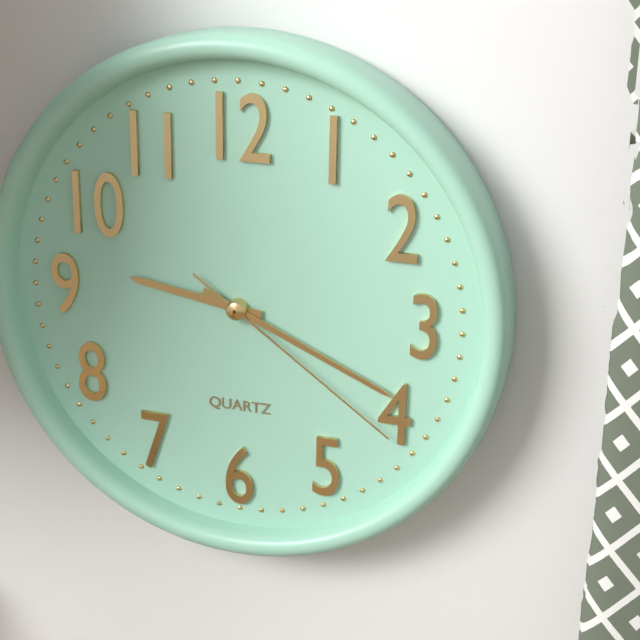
9:19:21
